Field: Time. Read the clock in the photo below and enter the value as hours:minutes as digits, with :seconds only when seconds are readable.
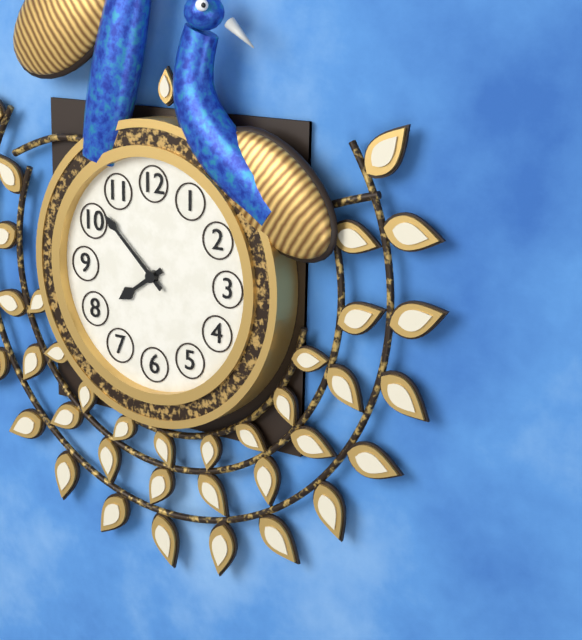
7:52
